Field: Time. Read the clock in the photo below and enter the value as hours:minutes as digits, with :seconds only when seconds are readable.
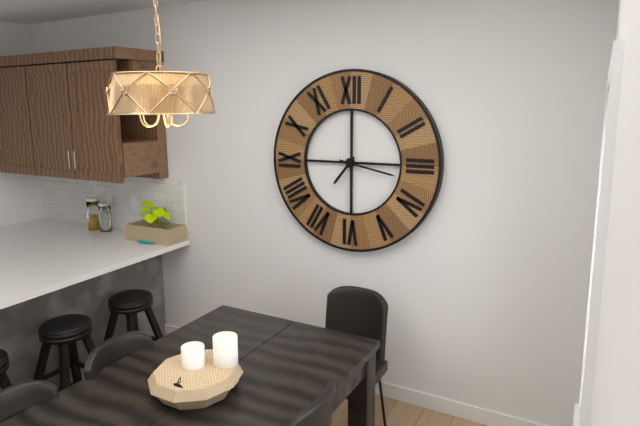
7:17
